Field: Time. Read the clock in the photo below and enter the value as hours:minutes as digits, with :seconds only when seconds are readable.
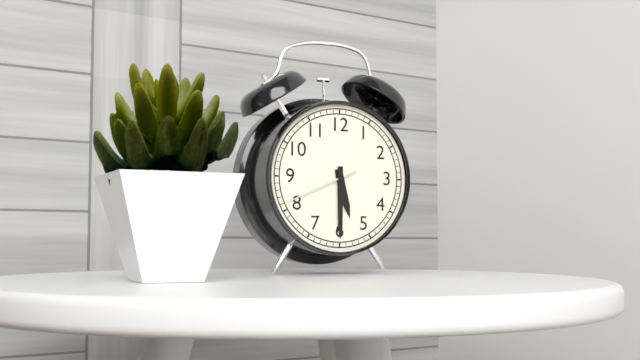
5:30:41
